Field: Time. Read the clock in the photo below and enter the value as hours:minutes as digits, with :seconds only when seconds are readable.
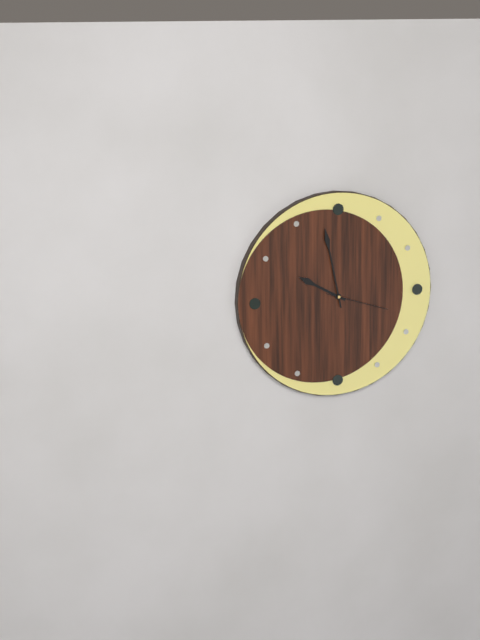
9:58:18
